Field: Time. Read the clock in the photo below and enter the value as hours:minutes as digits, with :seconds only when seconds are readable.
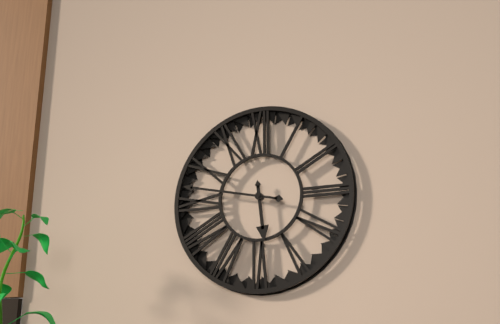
5:47
